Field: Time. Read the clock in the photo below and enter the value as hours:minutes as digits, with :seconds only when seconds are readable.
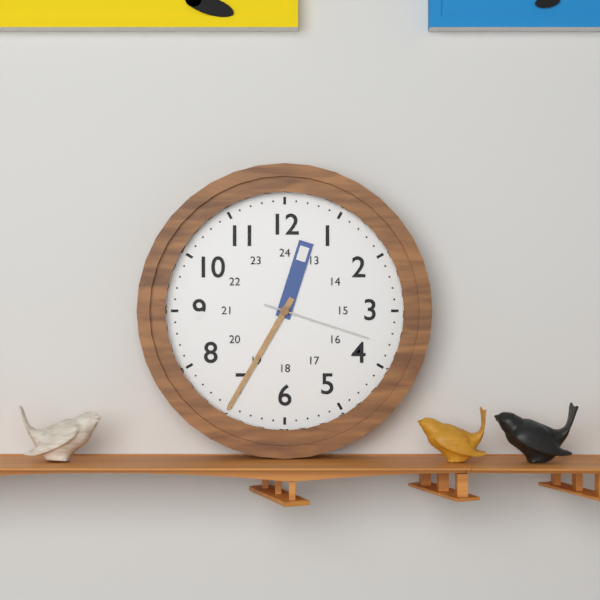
12:35:18
